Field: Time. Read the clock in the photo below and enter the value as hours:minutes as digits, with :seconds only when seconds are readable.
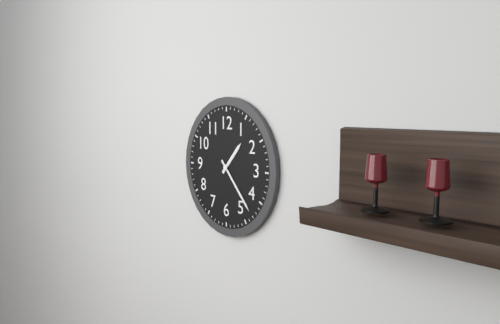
1:23
